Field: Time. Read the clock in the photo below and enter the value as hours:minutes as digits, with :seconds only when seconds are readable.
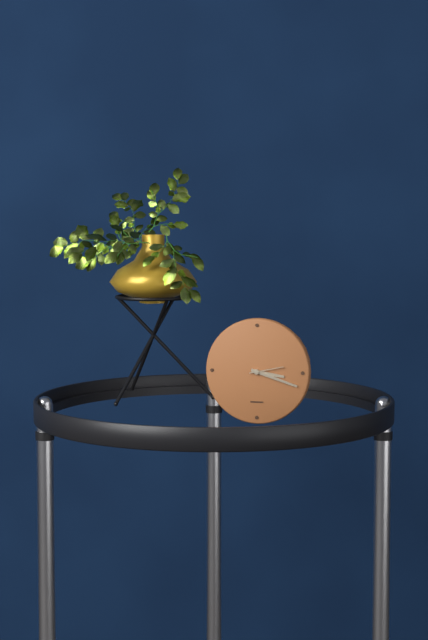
3:18
